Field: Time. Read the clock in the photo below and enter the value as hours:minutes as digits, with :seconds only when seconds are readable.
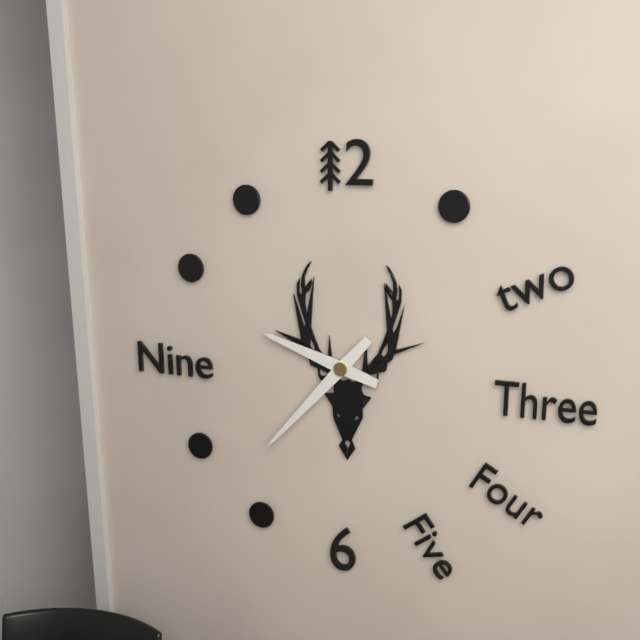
9:37
